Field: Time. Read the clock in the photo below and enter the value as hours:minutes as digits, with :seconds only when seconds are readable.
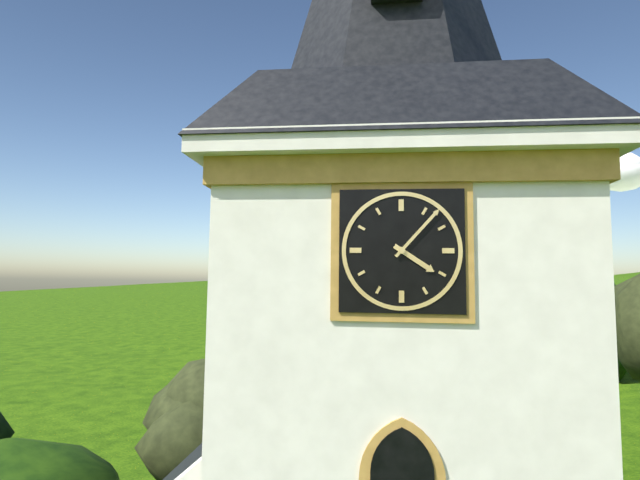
4:07
